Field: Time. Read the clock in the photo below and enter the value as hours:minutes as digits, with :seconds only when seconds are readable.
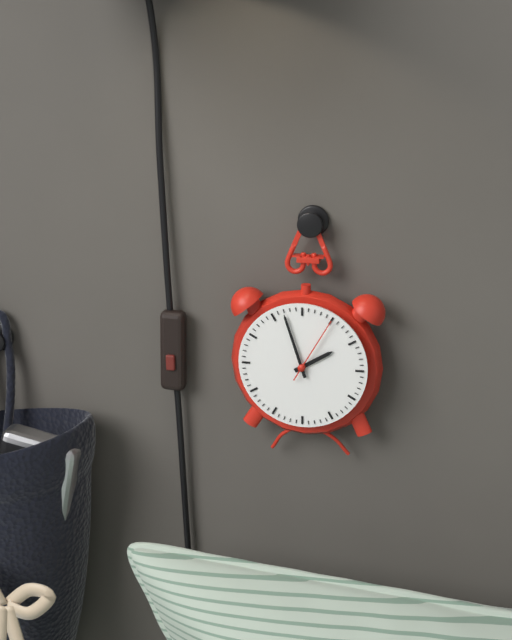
1:57:05
